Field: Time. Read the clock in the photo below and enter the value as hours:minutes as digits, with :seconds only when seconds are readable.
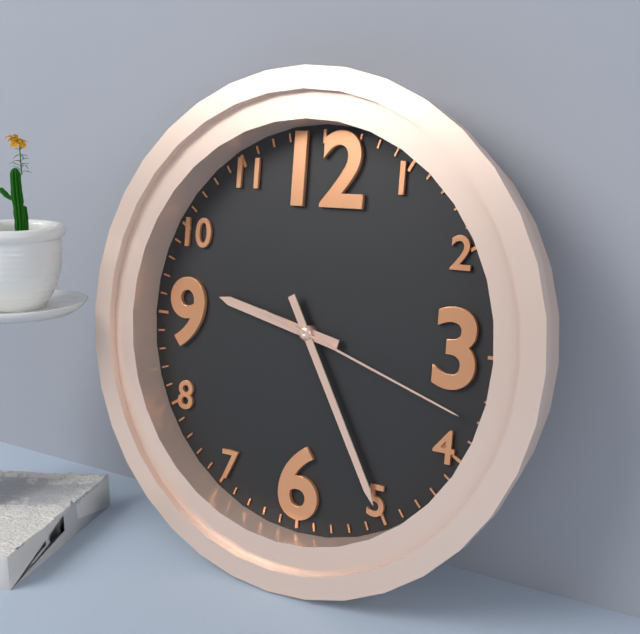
9:25:18
